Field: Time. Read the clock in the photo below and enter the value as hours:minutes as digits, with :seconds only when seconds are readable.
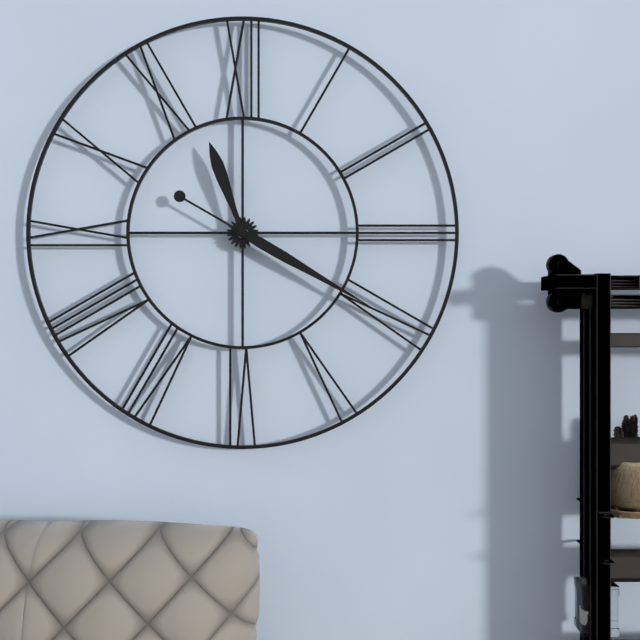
11:20
